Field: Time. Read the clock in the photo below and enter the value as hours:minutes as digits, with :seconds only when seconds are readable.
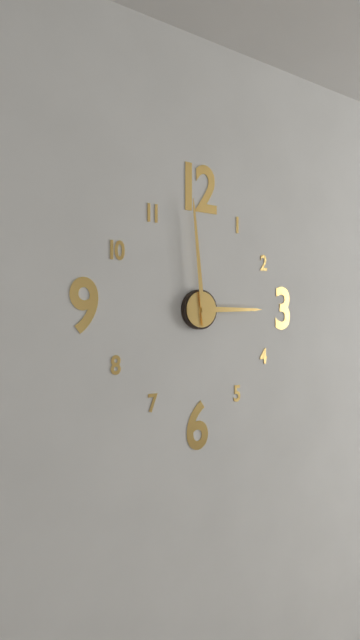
2:59
